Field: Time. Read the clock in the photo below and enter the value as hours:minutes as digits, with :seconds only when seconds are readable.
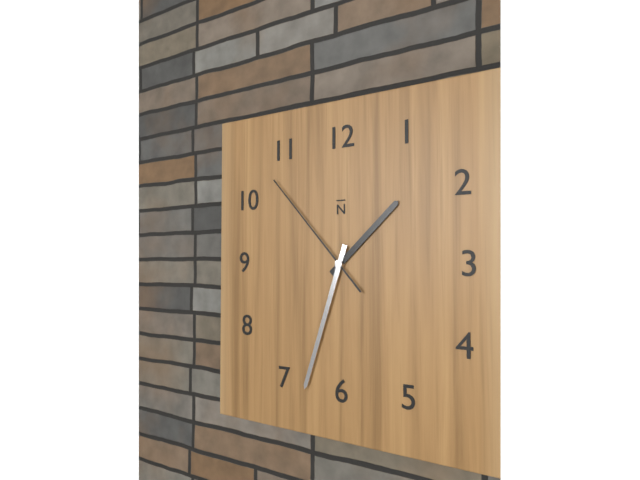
1:33:53
